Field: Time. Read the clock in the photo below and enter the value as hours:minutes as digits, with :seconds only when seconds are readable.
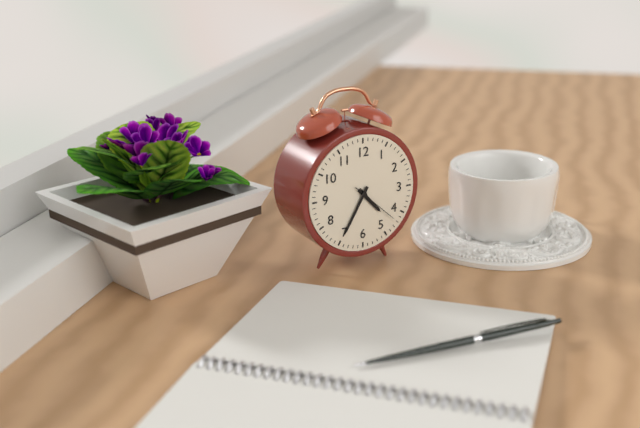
4:35:22
